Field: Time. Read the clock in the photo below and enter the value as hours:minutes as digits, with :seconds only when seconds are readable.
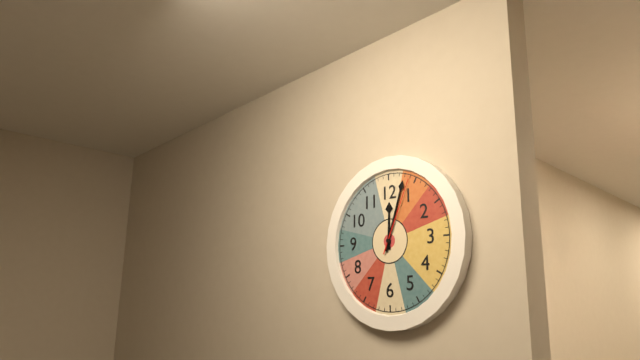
12:03:04
